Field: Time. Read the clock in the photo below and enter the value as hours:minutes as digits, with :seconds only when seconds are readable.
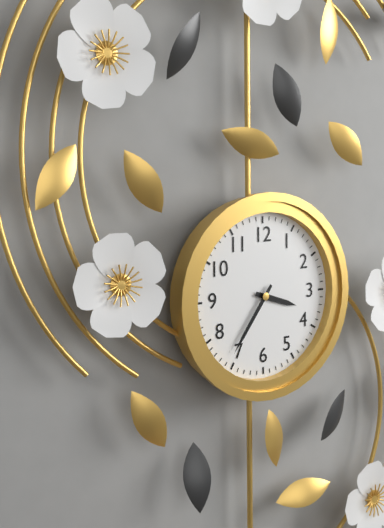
3:36
